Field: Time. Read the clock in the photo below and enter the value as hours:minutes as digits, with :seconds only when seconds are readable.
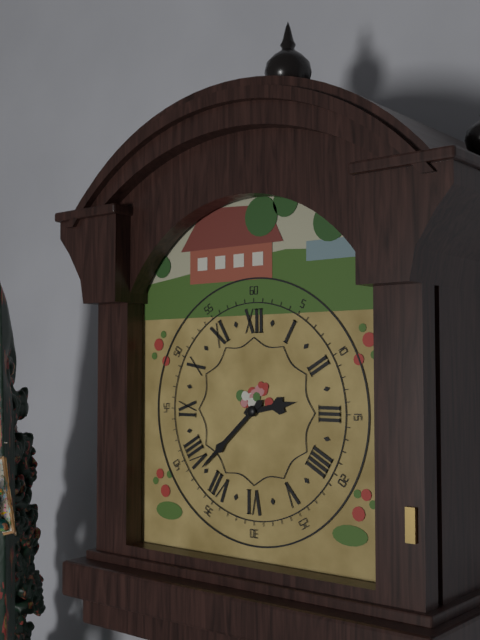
2:38
